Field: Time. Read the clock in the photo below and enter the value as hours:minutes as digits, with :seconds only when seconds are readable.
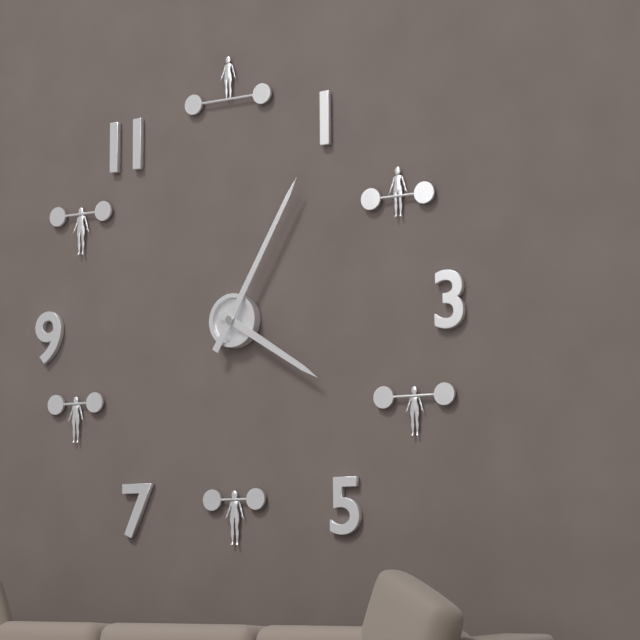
4:05
